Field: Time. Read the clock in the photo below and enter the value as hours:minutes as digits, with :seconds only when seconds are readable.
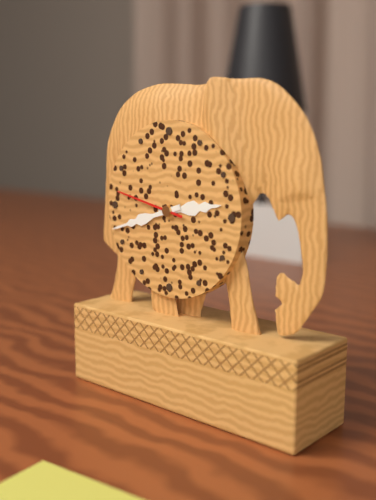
2:42:47
